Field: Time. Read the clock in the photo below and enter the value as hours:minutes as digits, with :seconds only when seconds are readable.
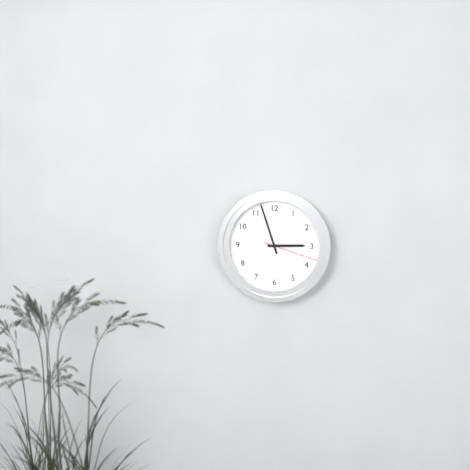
2:57:18
